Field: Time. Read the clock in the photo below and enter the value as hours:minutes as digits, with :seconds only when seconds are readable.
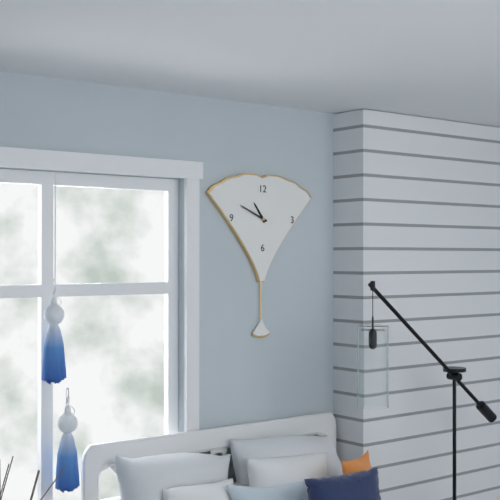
10:49
